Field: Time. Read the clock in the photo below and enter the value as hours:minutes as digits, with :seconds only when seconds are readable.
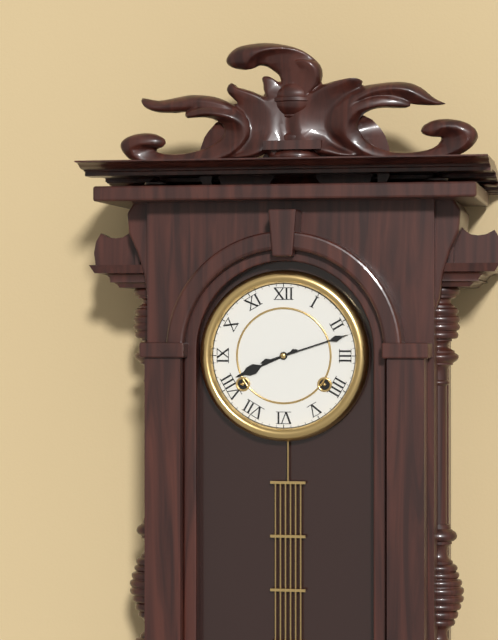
8:12
